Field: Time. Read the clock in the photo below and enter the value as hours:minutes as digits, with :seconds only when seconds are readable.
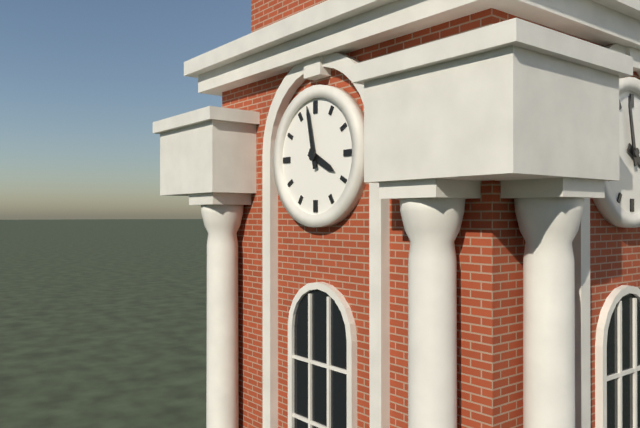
3:58
